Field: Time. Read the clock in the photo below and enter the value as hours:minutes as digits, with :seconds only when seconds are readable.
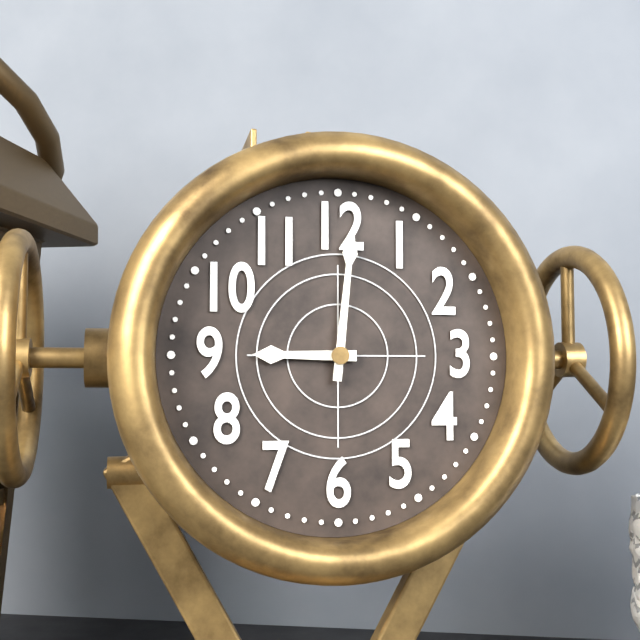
9:01
